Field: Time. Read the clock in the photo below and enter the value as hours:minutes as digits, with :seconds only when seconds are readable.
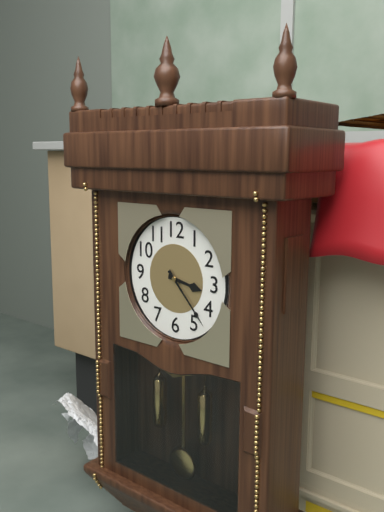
3:23
